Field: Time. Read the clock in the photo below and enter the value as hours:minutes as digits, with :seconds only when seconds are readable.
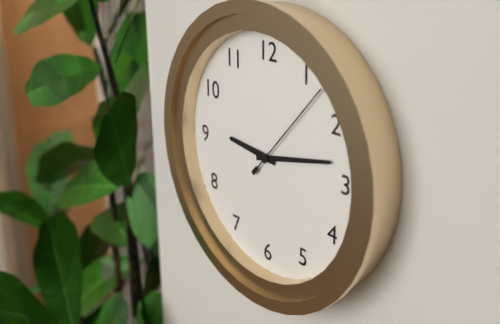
9:13:07
